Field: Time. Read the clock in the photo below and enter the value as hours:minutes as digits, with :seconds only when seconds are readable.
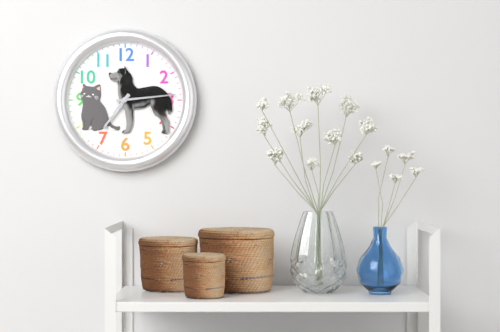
7:14
